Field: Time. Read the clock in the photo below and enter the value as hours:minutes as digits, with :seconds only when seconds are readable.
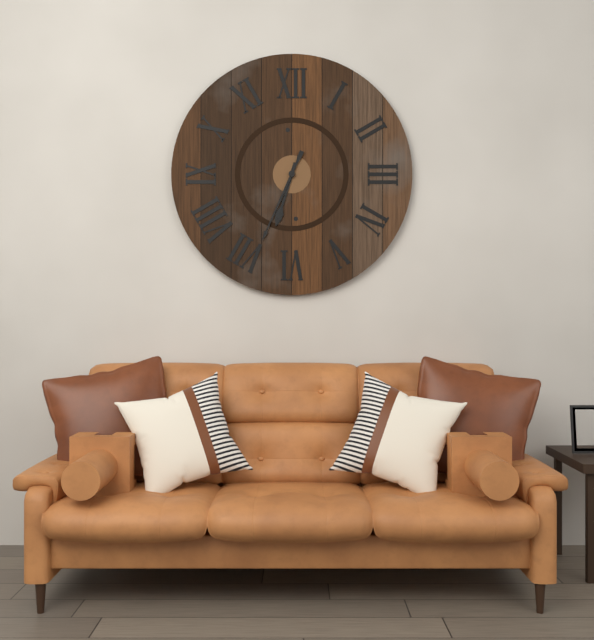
6:34
